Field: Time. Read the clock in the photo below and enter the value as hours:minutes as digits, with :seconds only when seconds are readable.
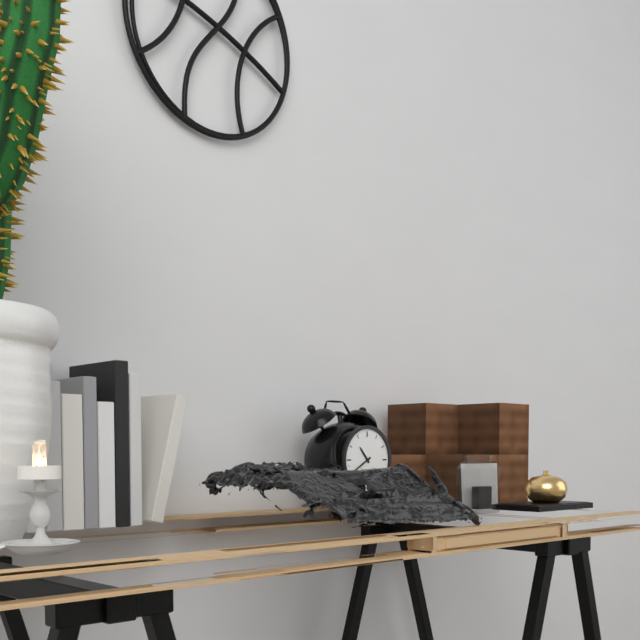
10:40
